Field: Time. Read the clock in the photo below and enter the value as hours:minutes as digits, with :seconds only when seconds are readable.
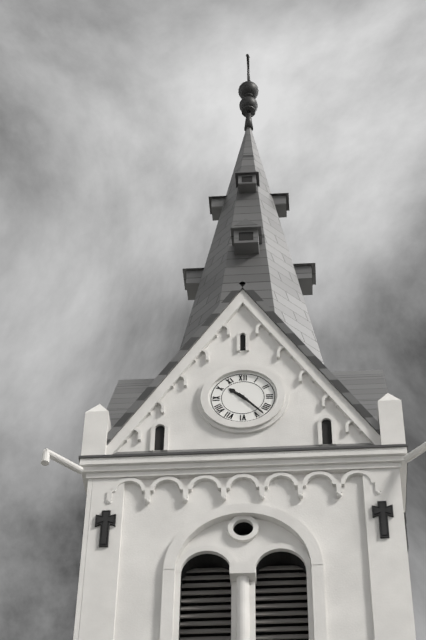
10:23
